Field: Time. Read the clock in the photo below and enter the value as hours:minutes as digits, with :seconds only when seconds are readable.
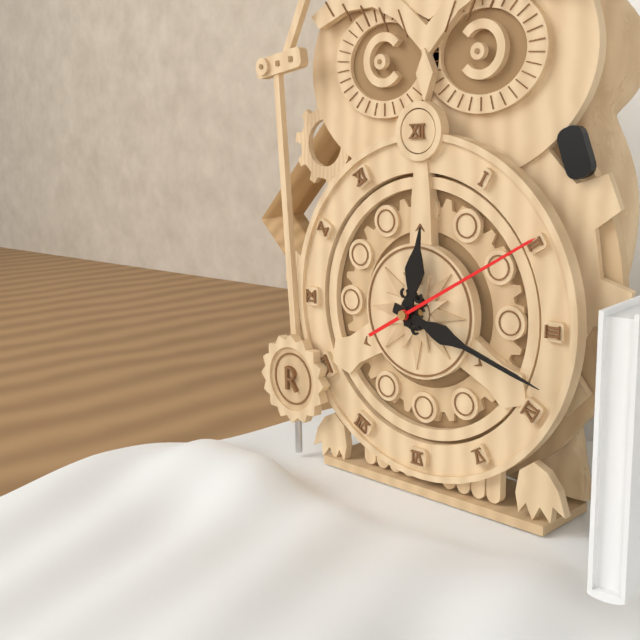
12:18:10
